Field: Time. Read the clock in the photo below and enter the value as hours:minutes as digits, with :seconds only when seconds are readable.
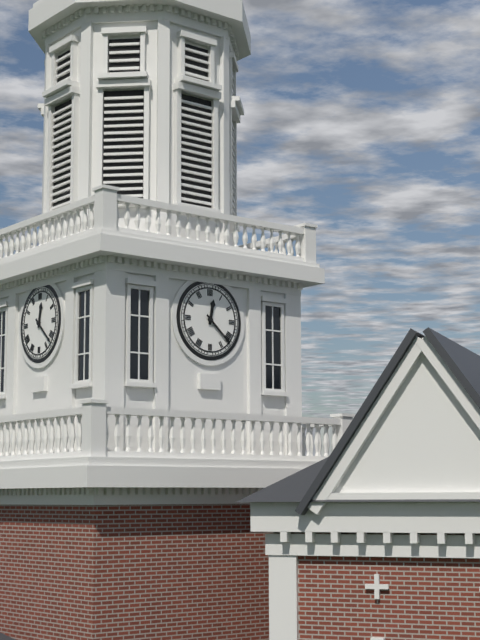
12:22
